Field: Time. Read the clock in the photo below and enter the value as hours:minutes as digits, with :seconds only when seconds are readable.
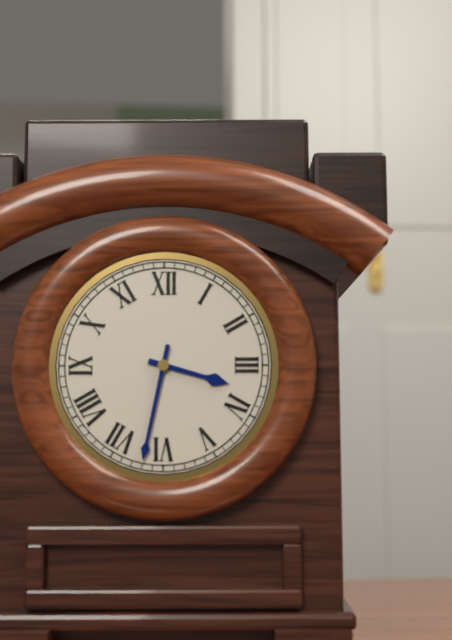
3:32
